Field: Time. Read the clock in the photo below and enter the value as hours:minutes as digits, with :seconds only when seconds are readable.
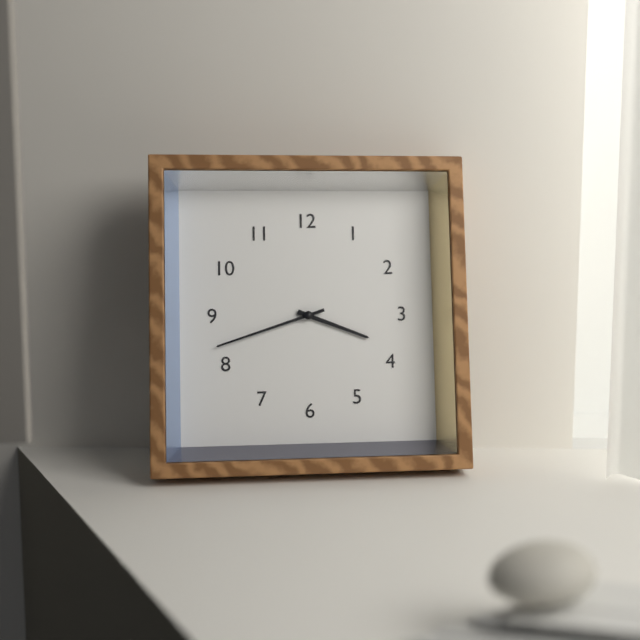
3:42
